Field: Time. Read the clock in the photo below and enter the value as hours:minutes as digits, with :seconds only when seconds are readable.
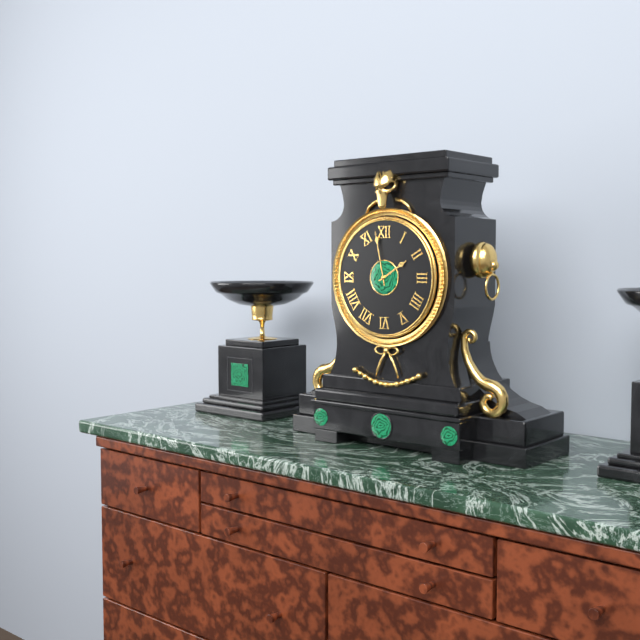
1:58
